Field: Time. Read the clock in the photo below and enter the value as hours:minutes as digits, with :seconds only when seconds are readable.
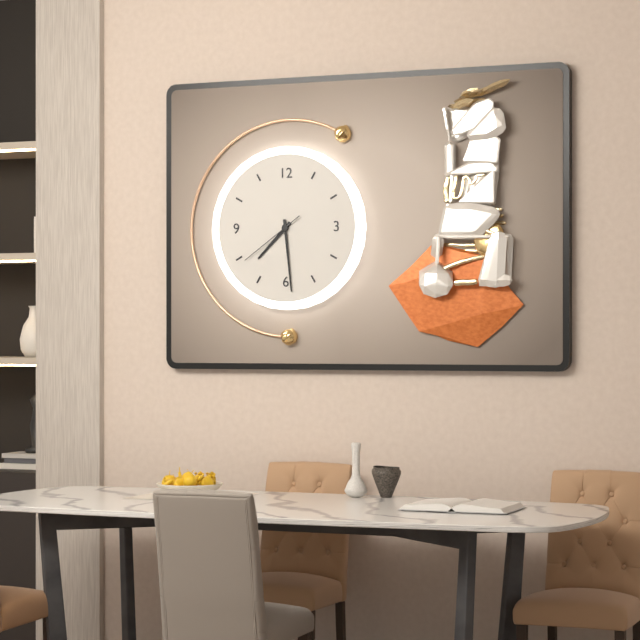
7:29:39
